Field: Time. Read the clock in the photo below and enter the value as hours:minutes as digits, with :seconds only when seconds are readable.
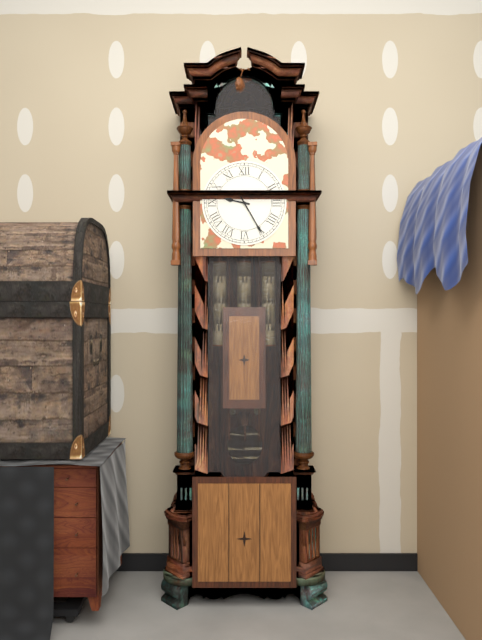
9:25
